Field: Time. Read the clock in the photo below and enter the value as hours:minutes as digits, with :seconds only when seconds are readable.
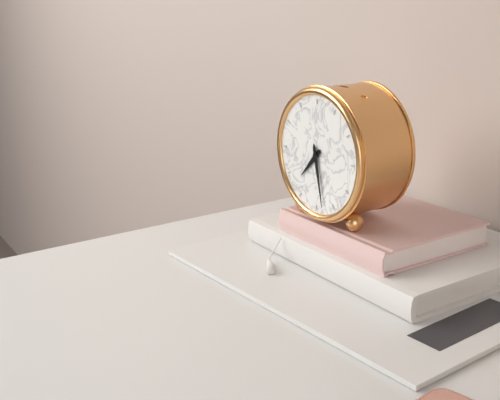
7:28
